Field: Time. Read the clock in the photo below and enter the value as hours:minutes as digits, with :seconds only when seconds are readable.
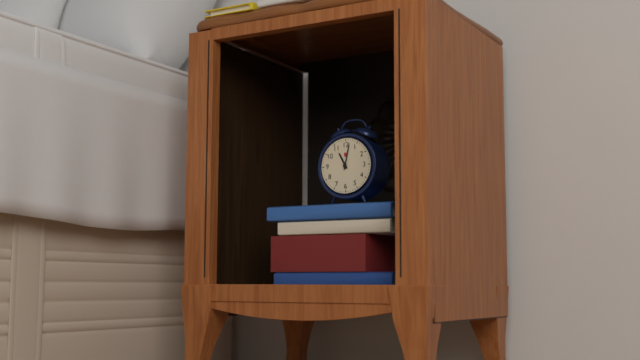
11:02
